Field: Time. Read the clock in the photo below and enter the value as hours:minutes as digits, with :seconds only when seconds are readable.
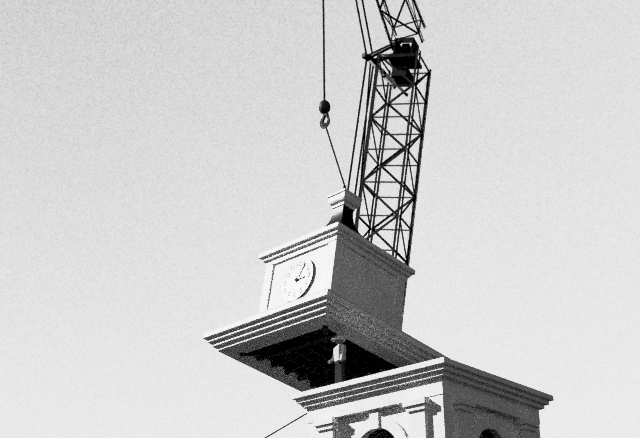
3:05
